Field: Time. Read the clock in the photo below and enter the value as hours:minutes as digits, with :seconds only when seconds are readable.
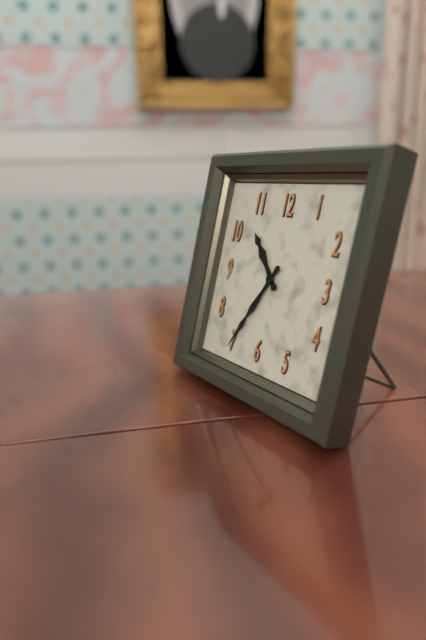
10:35
